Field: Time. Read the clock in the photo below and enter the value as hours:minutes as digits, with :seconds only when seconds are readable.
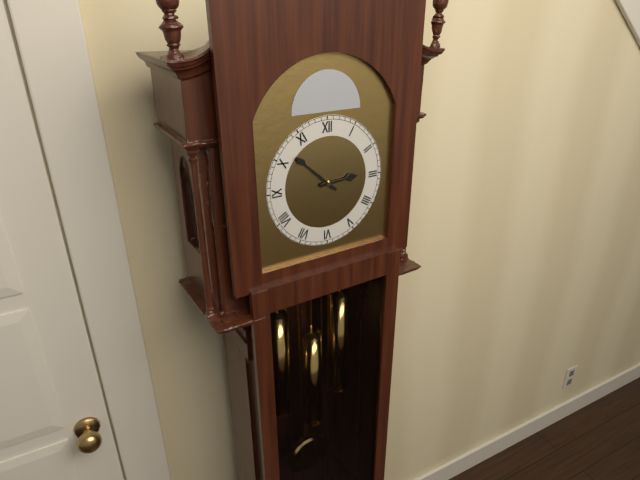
2:52
